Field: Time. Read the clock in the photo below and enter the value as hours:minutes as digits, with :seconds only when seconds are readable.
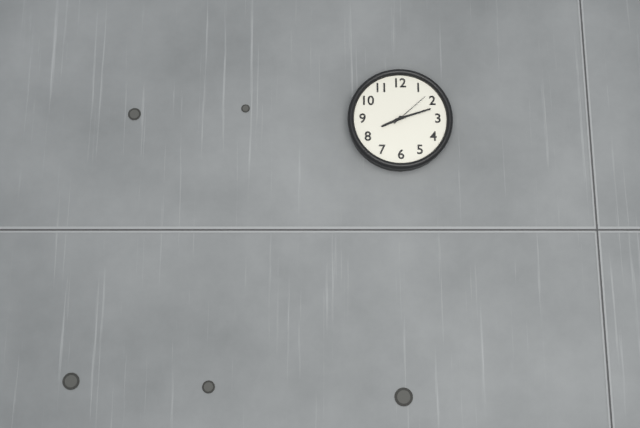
8:12
